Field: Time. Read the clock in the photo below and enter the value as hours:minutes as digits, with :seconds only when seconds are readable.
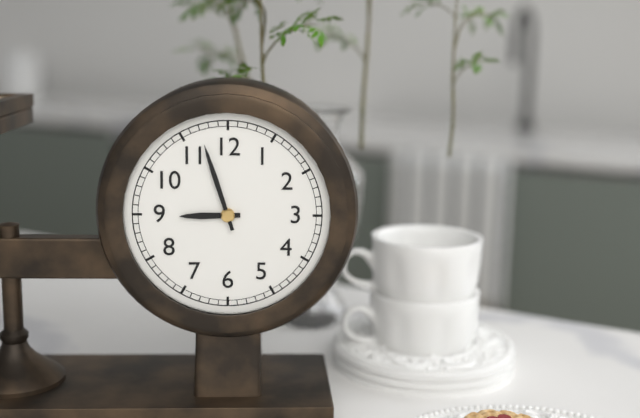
8:57
